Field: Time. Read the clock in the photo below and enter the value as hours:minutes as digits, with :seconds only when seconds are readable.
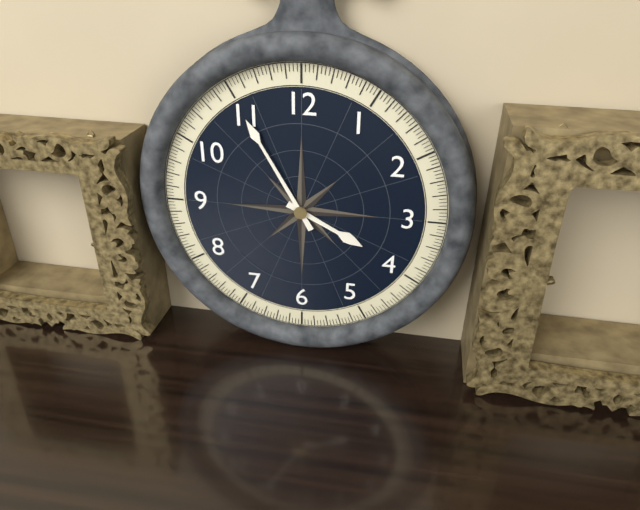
3:55
